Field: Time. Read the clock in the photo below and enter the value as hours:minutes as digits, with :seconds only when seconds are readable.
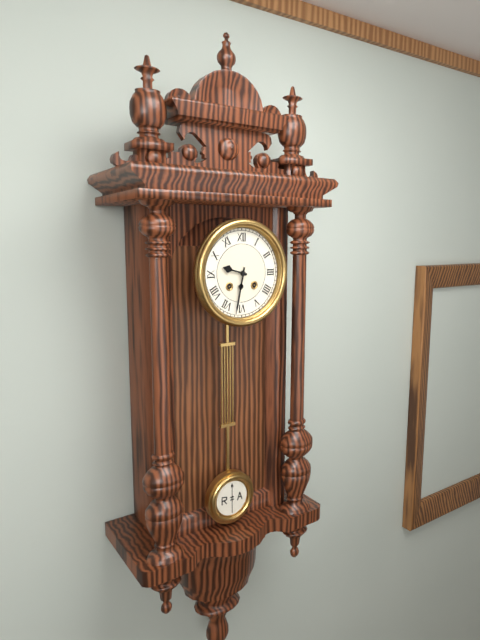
9:32
